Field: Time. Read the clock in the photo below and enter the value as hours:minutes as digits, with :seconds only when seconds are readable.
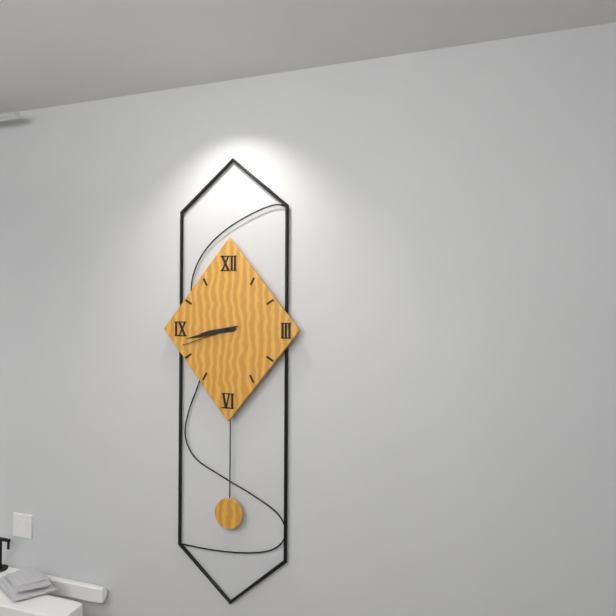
8:43:42
